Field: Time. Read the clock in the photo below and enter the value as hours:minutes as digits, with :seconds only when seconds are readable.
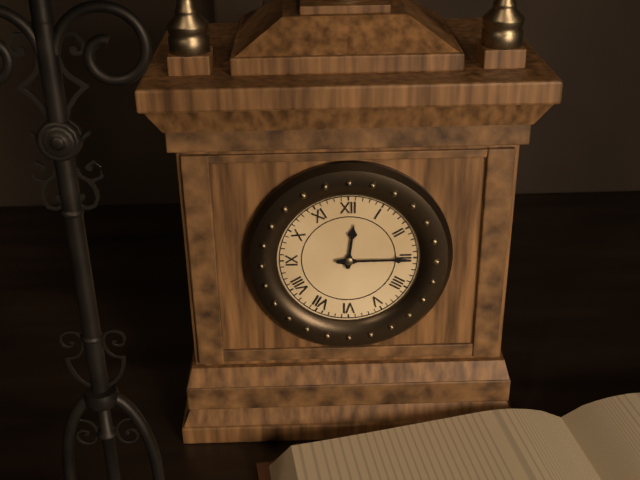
12:15
